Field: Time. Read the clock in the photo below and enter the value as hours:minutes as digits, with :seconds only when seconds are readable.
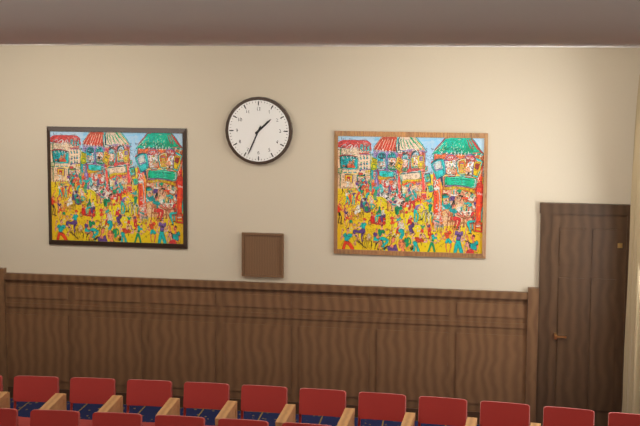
1:34
